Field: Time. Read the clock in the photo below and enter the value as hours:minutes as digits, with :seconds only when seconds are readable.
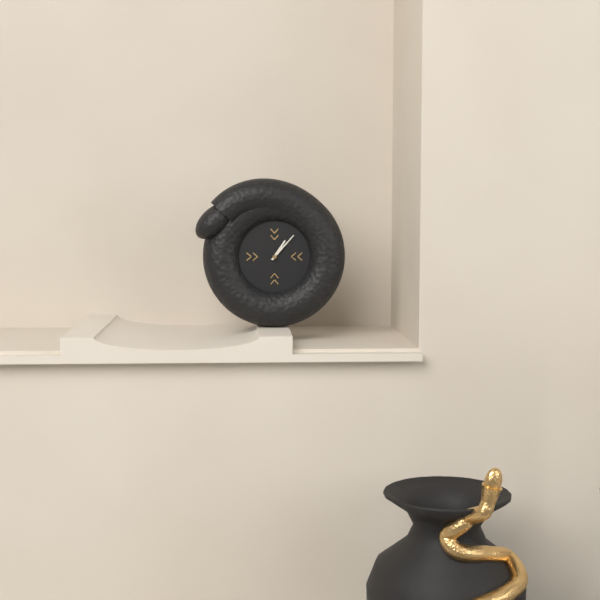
1:07
